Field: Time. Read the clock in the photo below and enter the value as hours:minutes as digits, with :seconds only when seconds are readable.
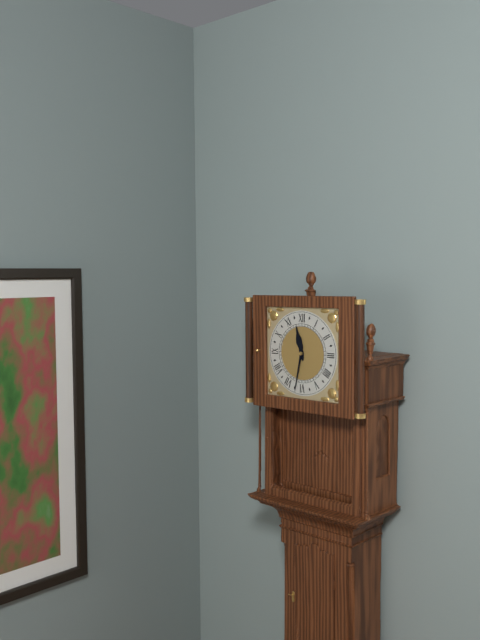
11:32
